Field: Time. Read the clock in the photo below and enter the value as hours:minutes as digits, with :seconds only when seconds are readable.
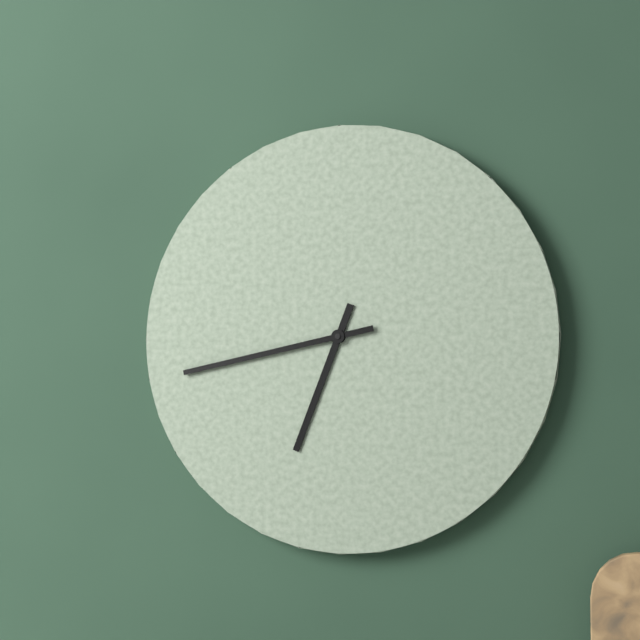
6:43
